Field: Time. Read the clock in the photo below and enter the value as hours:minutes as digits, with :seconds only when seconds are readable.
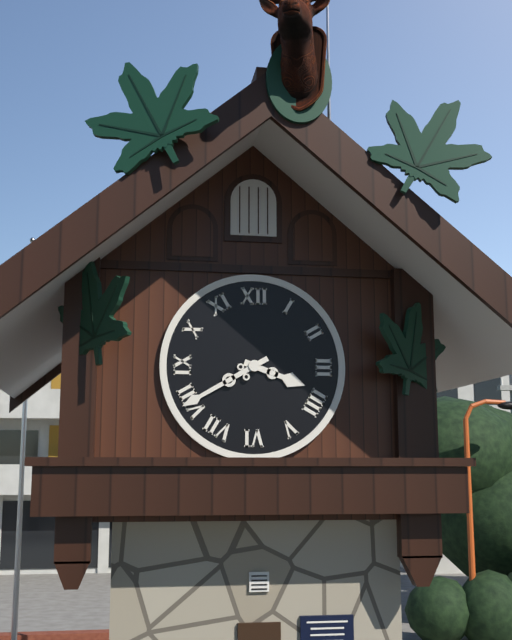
3:40
